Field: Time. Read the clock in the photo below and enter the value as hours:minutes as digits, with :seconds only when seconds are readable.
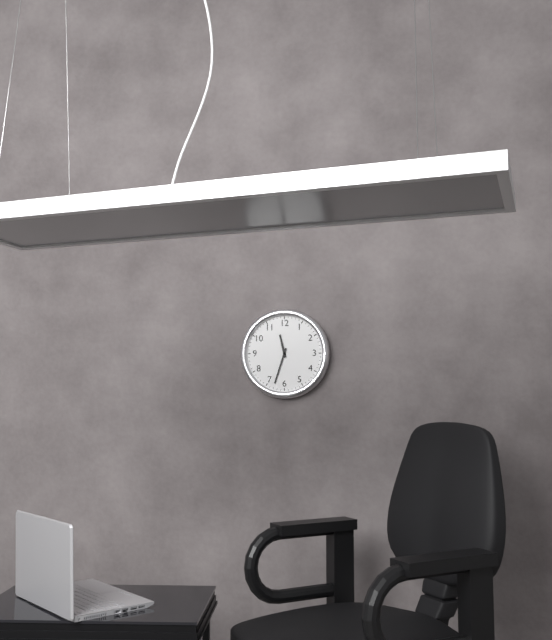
11:33
